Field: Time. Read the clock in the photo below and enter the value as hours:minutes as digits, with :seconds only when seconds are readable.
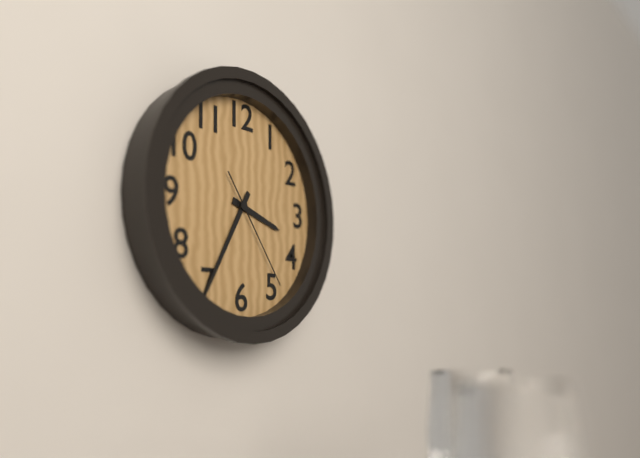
3:35:24
